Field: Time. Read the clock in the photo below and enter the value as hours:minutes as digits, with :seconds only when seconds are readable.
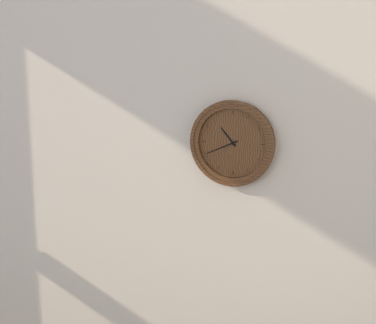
10:41
